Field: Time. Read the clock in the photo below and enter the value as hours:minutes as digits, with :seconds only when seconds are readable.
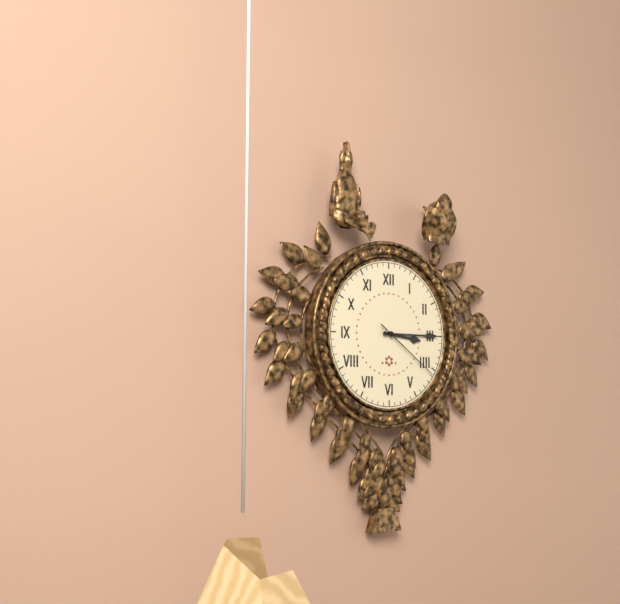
3:15:21
